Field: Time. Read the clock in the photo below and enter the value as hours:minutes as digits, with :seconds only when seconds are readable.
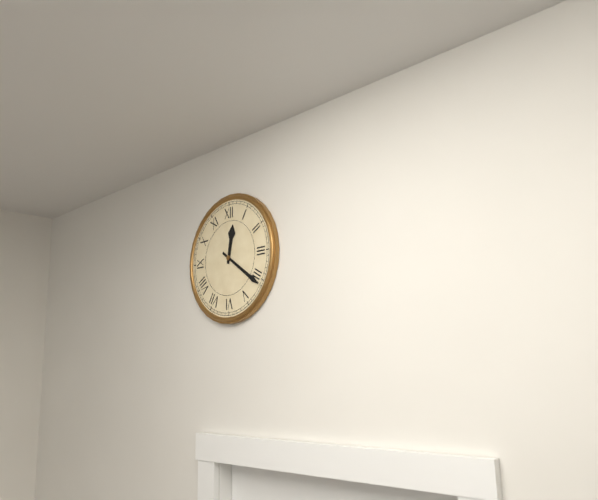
12:21
